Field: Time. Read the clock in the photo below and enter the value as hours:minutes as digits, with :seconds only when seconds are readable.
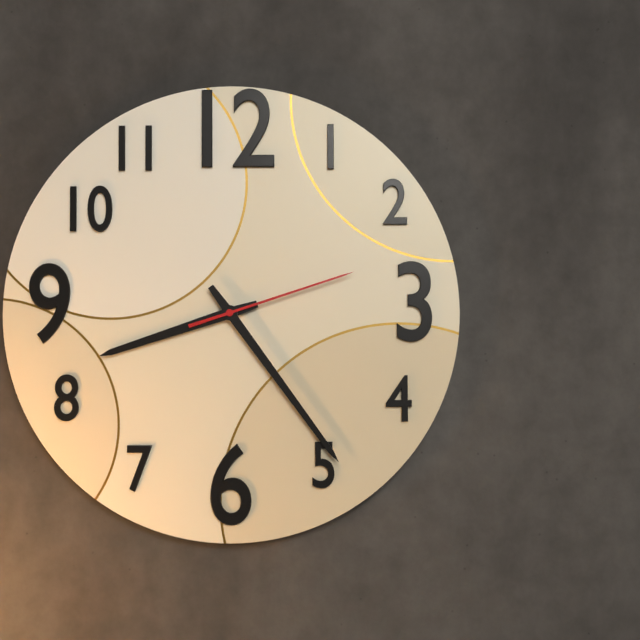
8:24:12
